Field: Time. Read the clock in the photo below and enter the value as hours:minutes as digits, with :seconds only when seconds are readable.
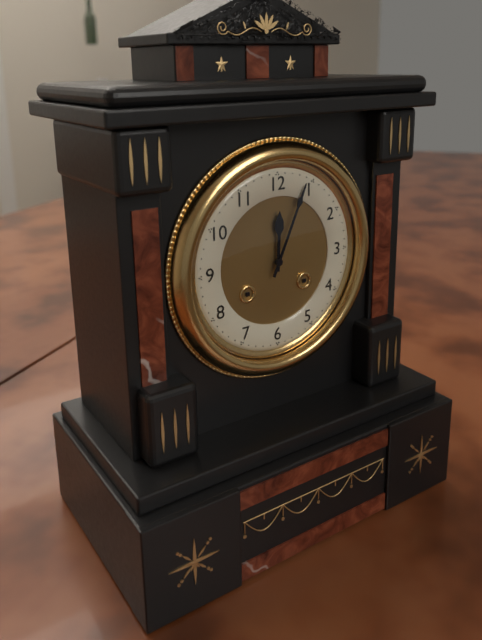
12:04
